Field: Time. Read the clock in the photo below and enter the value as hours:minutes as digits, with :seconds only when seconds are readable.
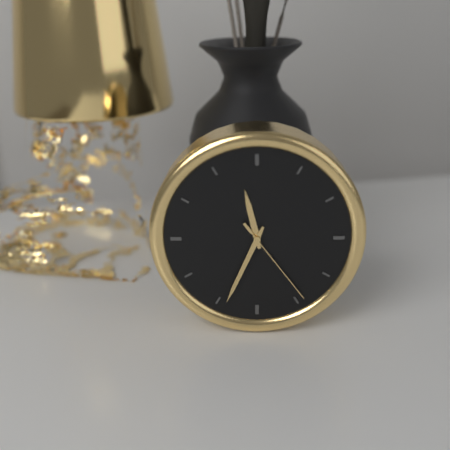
11:34:24
